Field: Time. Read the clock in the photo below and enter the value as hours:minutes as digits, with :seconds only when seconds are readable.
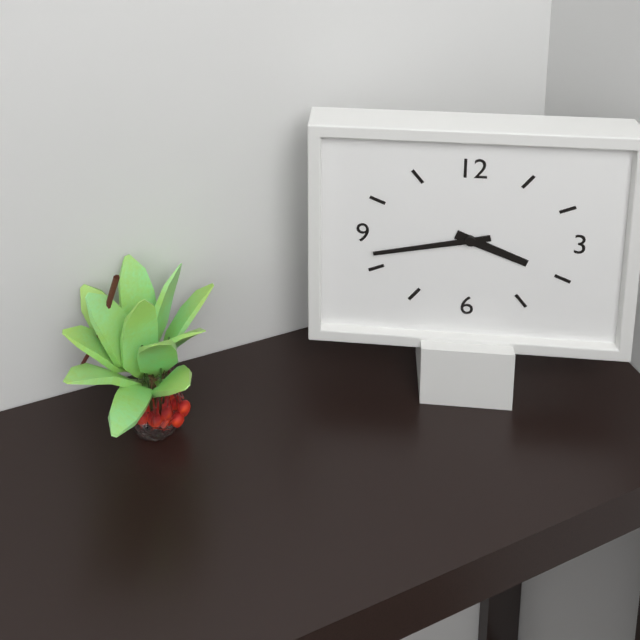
3:43
